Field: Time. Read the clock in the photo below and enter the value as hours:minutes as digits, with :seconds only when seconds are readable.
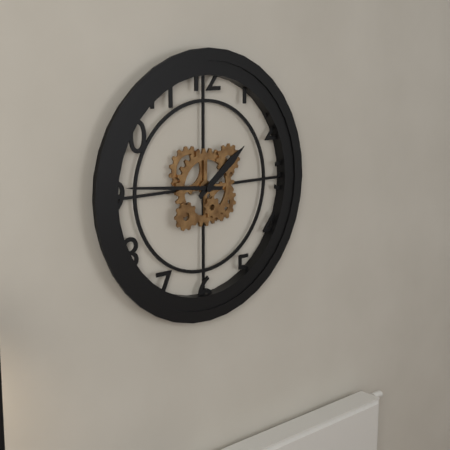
1:46
